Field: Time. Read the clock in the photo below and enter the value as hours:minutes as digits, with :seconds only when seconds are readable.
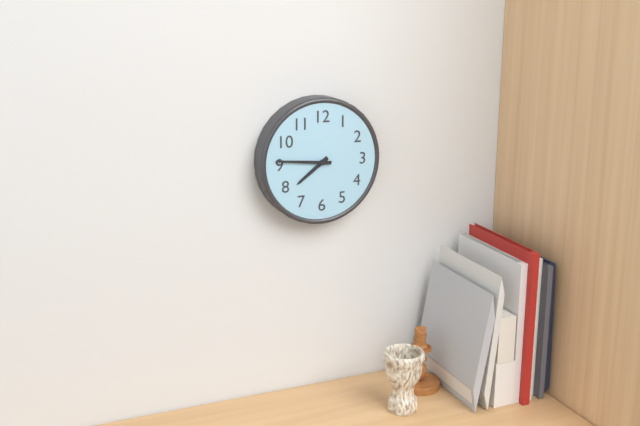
7:46
